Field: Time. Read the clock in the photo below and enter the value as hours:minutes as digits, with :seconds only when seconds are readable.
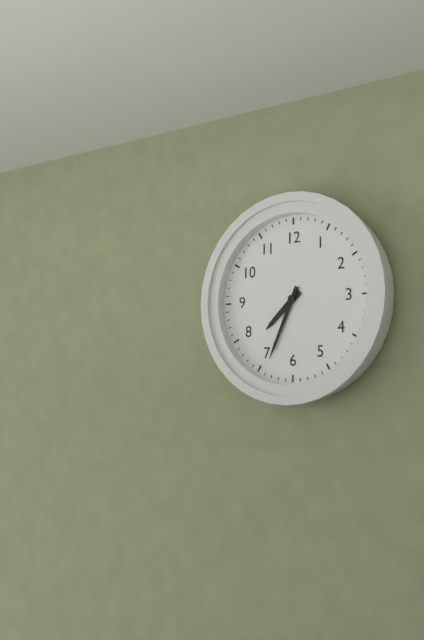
7:34
